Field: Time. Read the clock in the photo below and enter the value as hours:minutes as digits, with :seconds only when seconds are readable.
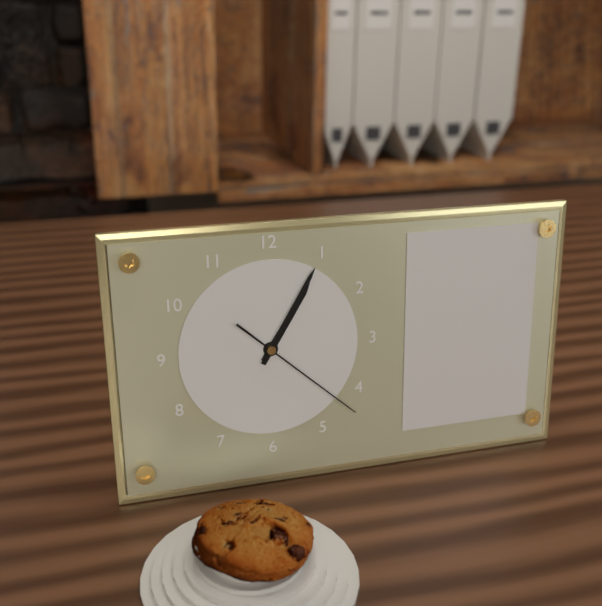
1:05:22
